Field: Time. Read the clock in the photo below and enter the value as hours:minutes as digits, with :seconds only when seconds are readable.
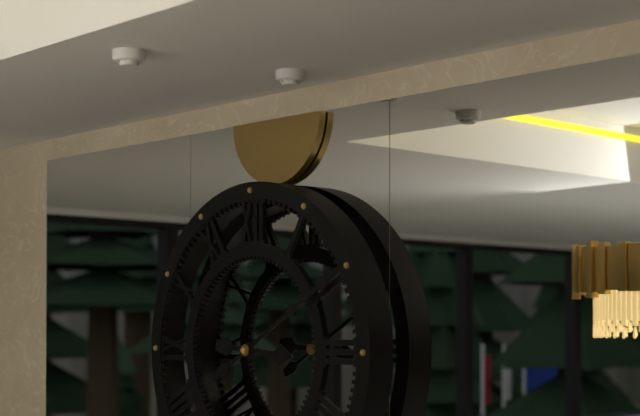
3:10
